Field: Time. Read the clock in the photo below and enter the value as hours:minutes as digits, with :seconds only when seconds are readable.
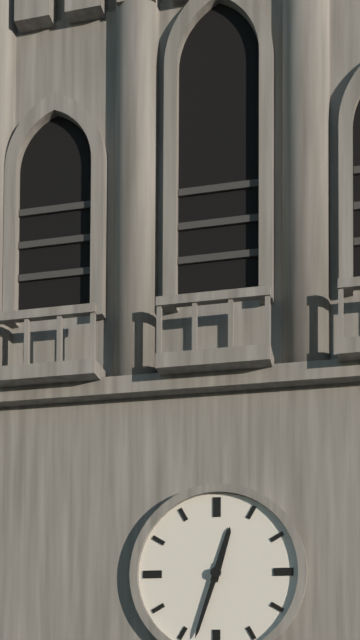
12:33
